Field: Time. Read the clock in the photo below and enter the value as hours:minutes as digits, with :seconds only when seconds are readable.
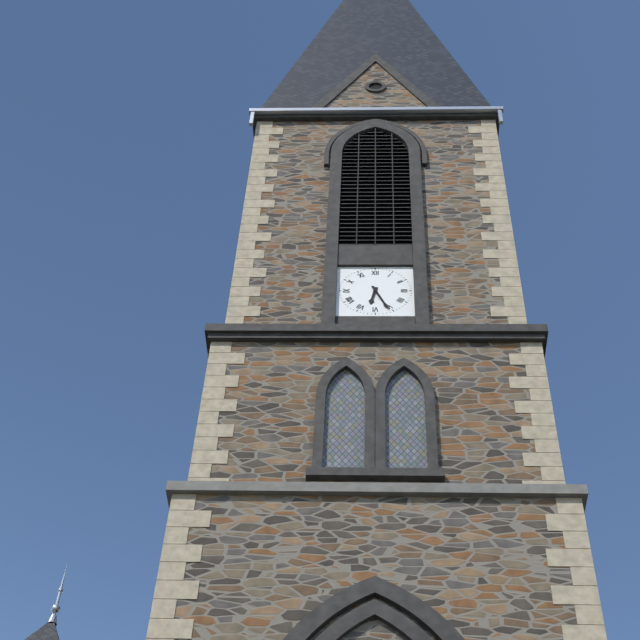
6:26
